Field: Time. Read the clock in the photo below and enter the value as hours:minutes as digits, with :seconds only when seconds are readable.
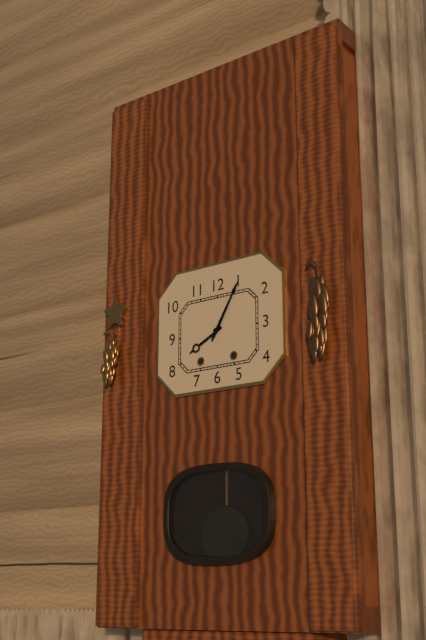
8:05
